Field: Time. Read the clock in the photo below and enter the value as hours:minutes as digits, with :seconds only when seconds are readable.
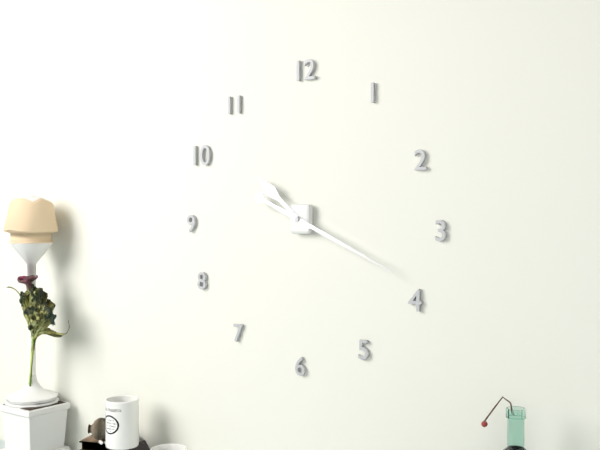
10:19
